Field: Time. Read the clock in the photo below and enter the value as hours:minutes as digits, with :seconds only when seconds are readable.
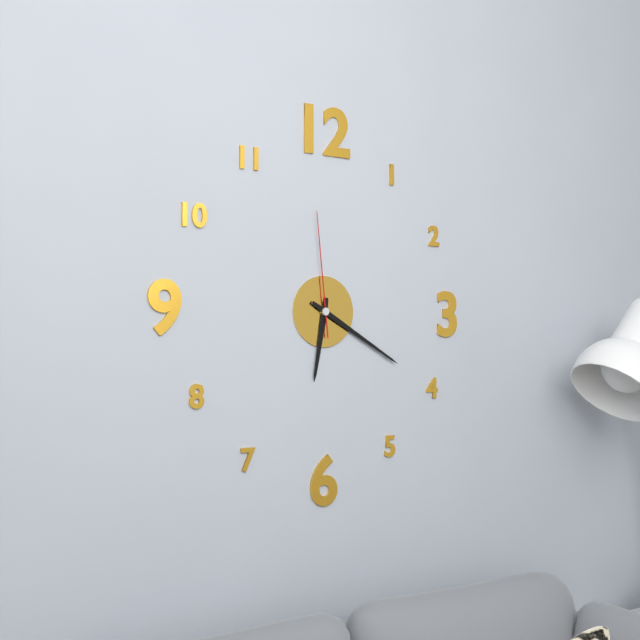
6:20:59
